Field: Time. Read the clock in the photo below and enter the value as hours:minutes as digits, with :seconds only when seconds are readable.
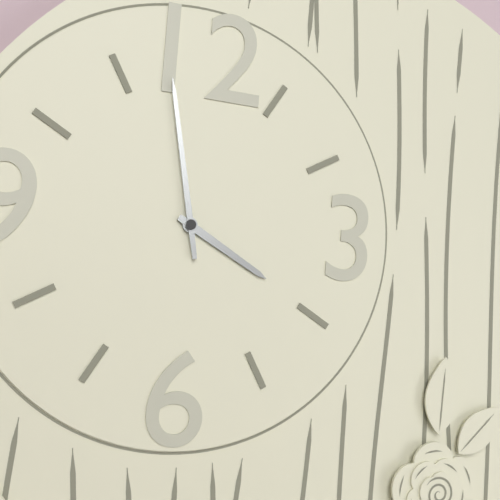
3:58
